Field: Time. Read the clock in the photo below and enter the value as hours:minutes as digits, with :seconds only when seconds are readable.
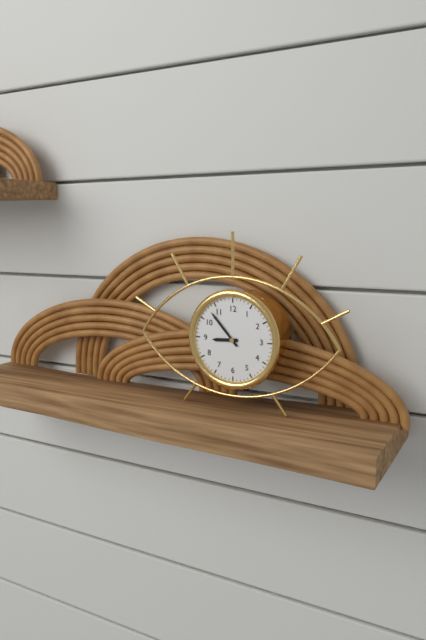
8:53
